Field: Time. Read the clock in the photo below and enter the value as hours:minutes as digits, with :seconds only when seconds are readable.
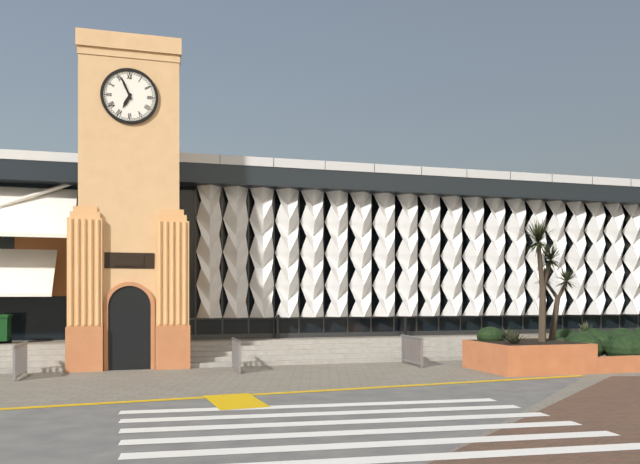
6:56
